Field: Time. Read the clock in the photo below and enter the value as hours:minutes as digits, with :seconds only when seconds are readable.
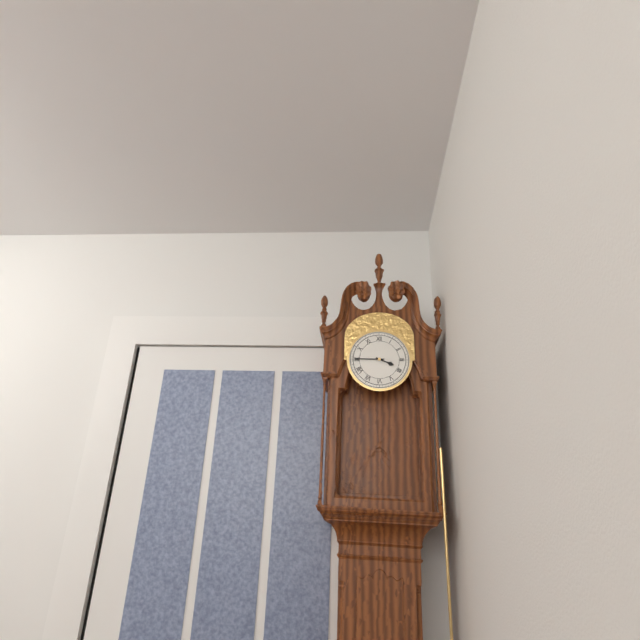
3:45
